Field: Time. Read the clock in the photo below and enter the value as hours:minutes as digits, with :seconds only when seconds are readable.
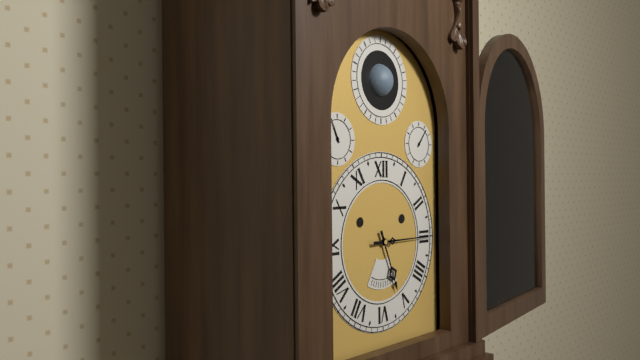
5:15
